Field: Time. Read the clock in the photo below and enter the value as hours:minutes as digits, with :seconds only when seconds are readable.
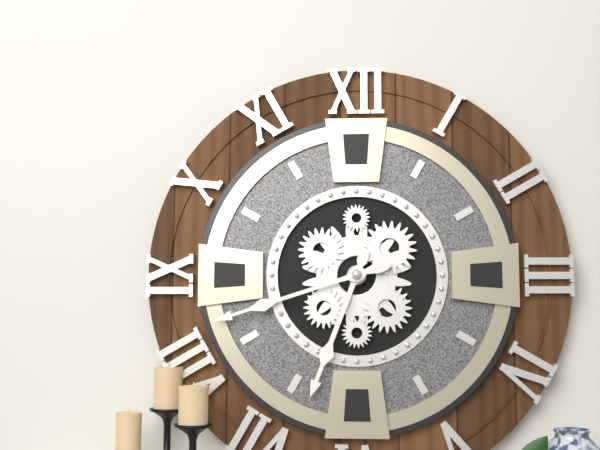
6:42
